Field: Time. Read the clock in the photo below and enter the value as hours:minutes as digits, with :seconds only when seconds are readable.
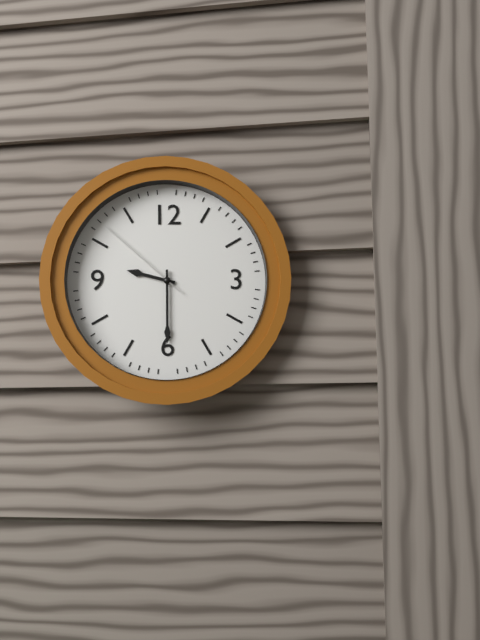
9:30:52
